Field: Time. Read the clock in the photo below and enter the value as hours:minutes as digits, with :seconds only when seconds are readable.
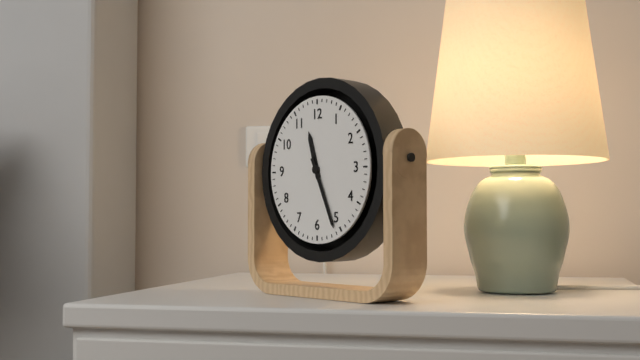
11:26
